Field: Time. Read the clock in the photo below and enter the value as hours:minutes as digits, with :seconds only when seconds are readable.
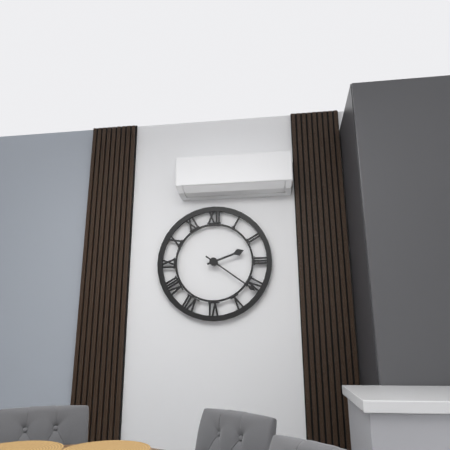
2:21
